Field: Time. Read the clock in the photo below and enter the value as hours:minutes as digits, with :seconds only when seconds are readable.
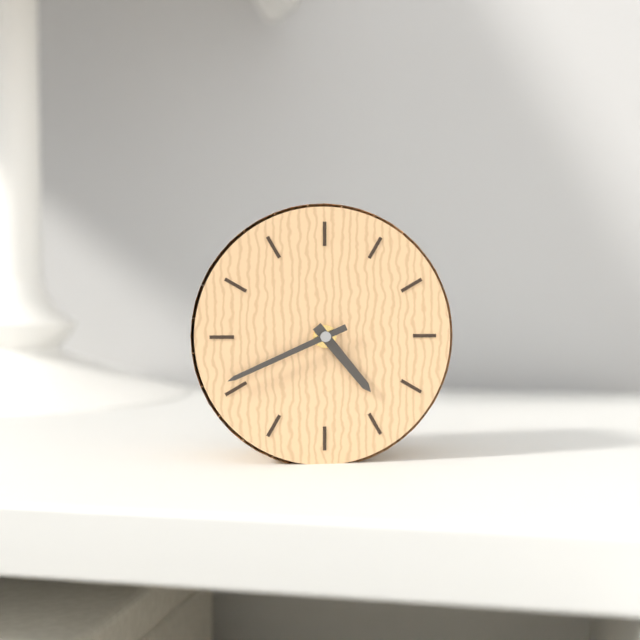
4:41
